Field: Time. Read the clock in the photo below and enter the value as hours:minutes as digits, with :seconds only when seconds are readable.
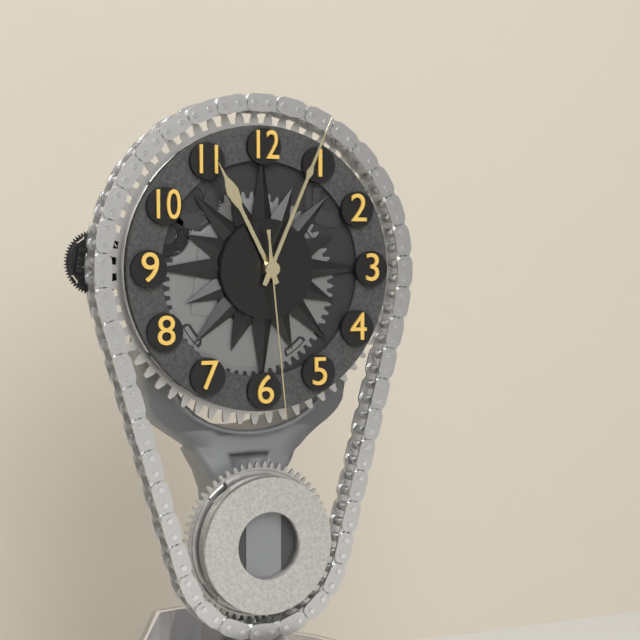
11:04:29
